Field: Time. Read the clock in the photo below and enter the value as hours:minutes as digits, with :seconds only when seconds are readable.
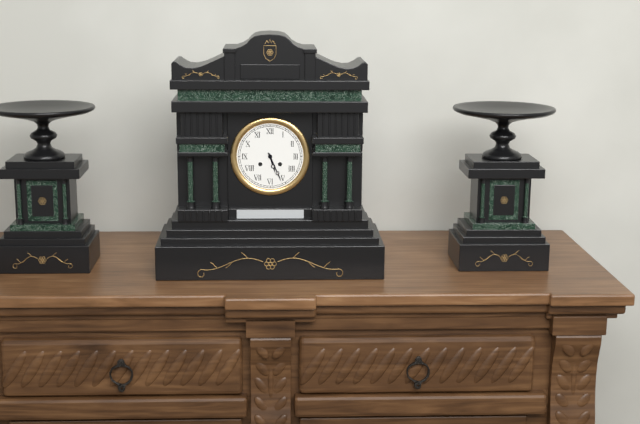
5:26
